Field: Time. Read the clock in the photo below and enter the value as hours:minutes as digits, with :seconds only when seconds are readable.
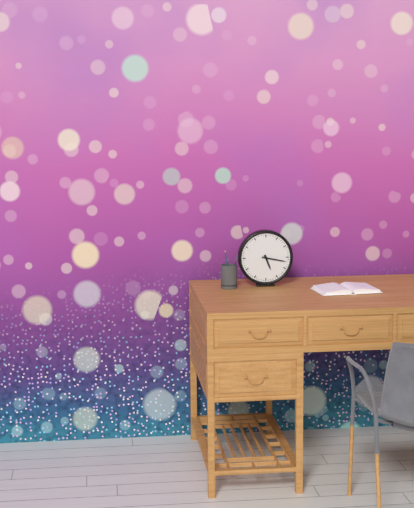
5:17
